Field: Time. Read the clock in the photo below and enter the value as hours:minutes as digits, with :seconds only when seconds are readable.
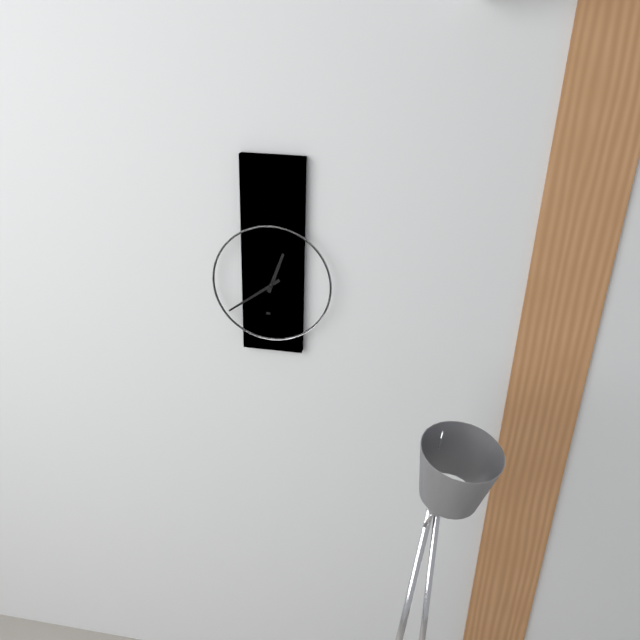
12:39
